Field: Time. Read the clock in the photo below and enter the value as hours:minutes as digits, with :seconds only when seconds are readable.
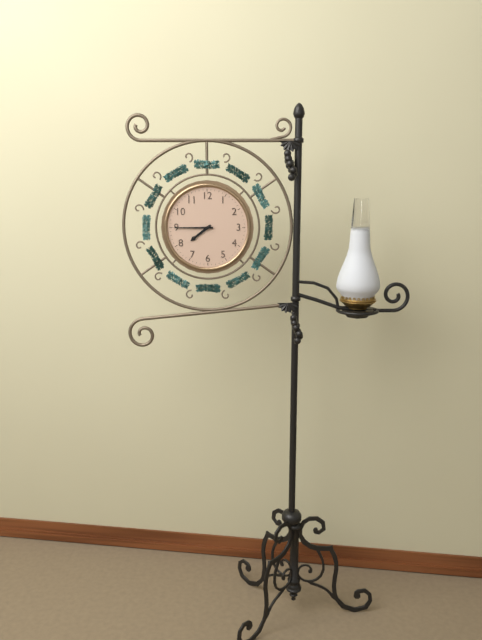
7:45
